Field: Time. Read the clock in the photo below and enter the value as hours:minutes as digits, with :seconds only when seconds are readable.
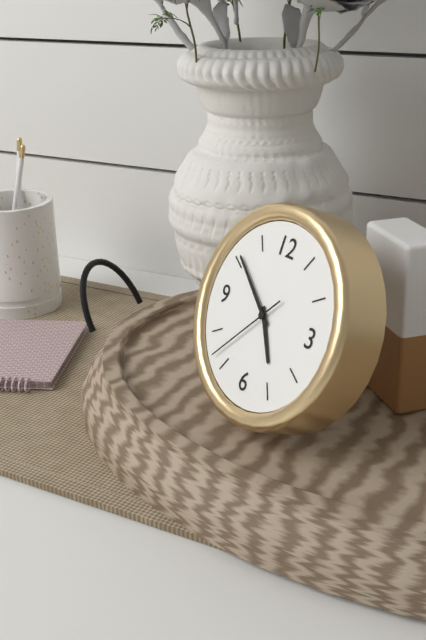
4:51:37
